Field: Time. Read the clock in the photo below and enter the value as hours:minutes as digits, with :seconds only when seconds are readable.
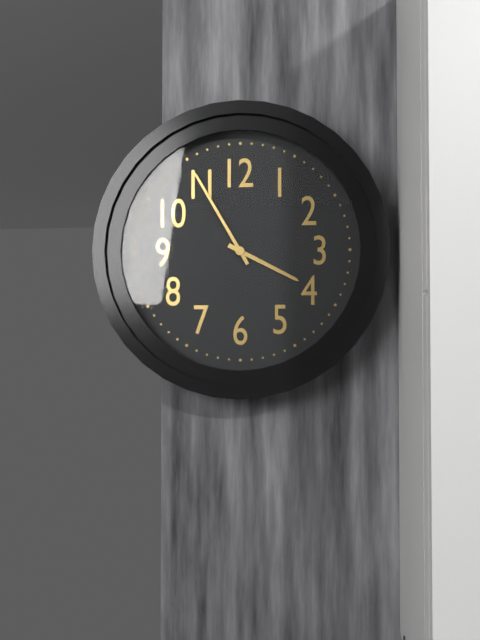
3:55
